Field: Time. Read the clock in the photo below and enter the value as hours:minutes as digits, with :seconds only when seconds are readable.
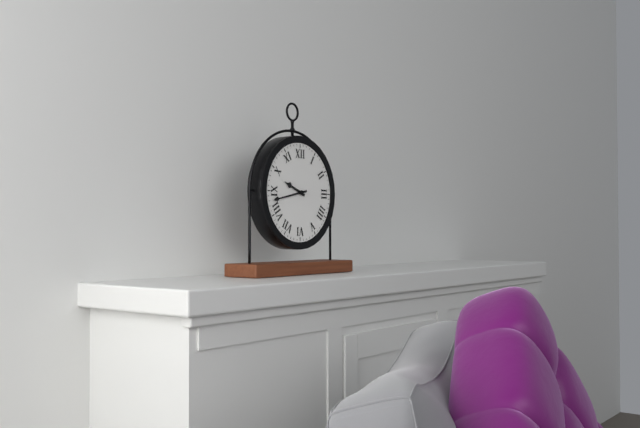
9:43
